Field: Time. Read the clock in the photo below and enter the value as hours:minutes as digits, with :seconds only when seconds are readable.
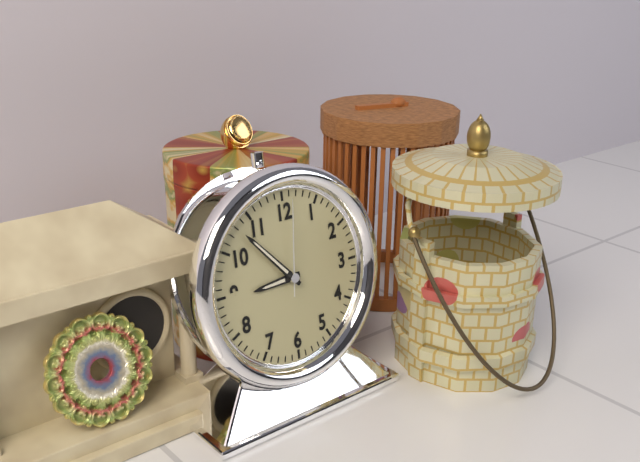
8:53:01
